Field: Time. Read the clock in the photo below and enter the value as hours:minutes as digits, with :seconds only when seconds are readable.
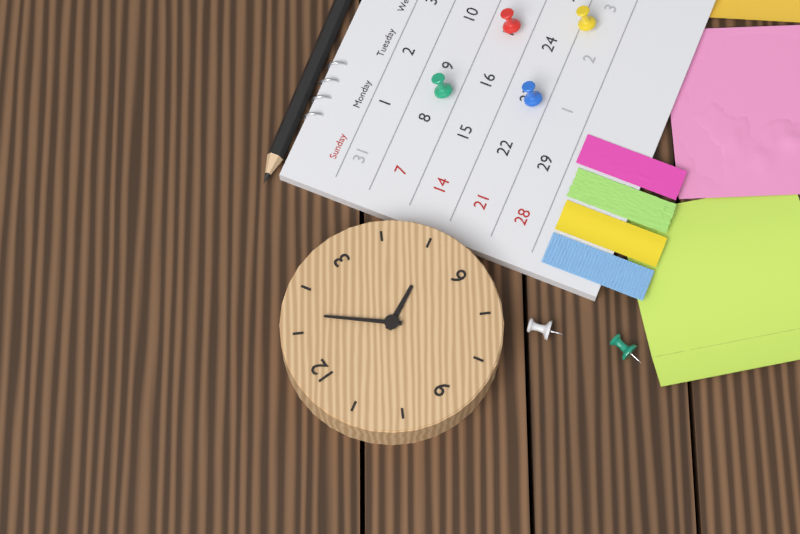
5:07
